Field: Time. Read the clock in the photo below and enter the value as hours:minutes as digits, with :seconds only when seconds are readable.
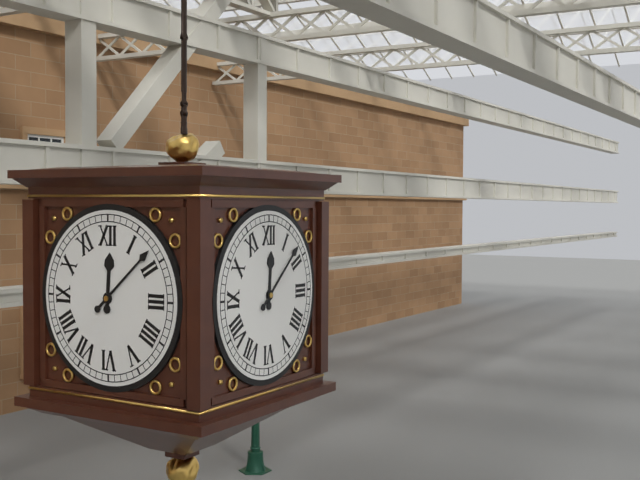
12:08
